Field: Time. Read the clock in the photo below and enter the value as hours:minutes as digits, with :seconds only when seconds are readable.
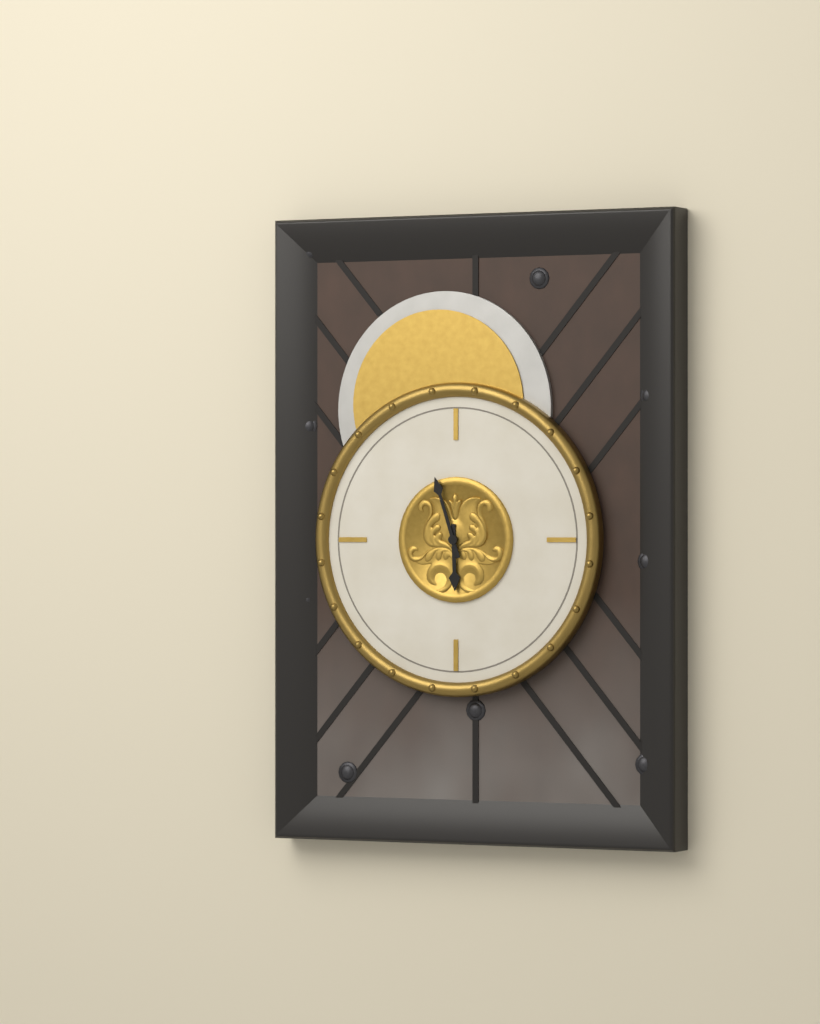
5:57
